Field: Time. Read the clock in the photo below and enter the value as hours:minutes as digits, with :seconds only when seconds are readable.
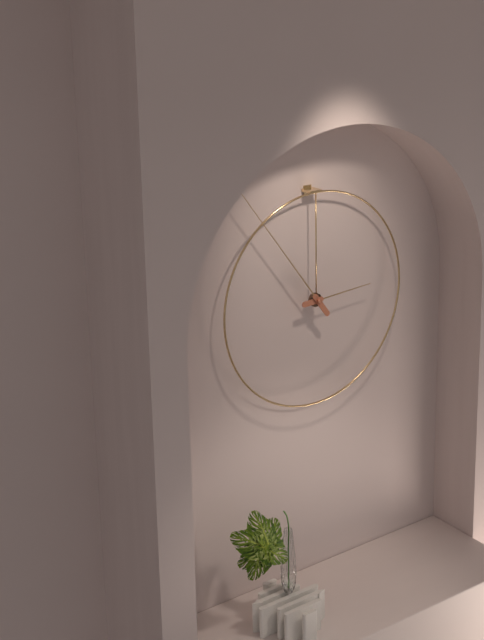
2:54
